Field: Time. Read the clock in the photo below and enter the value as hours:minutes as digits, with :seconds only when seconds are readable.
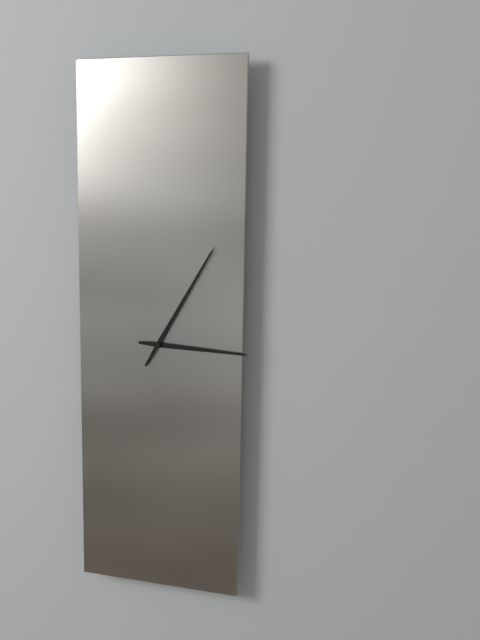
3:05
